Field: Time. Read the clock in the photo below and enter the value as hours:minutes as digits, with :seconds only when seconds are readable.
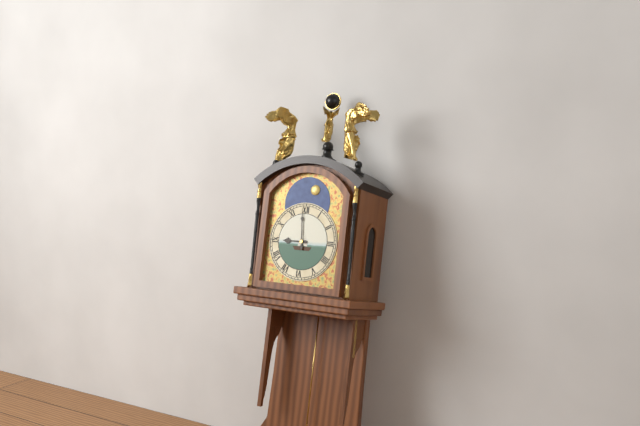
8:59
